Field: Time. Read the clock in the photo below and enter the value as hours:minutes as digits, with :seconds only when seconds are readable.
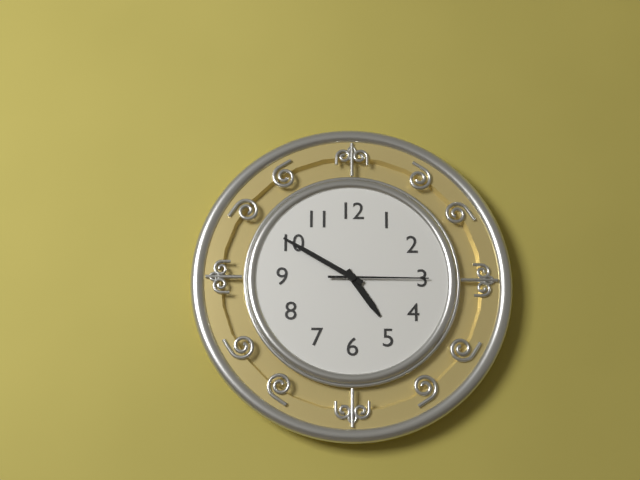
4:50:15
